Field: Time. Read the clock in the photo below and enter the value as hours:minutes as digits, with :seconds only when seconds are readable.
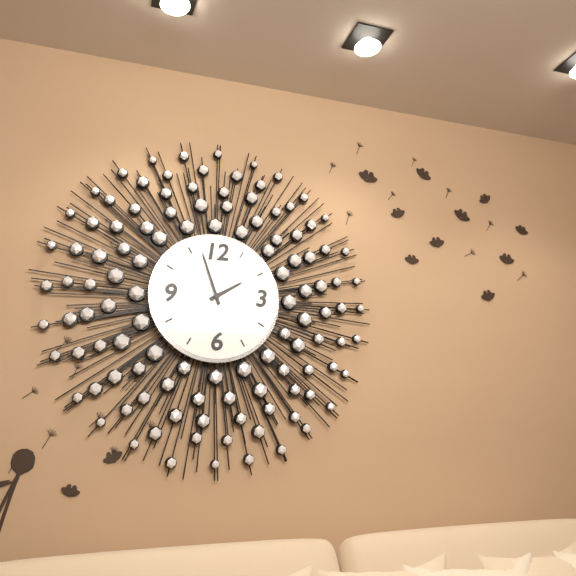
1:57:05
